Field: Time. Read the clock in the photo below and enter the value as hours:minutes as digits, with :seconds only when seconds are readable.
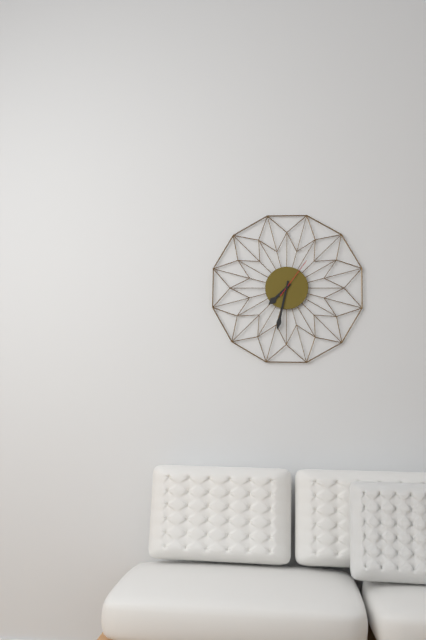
7:32
